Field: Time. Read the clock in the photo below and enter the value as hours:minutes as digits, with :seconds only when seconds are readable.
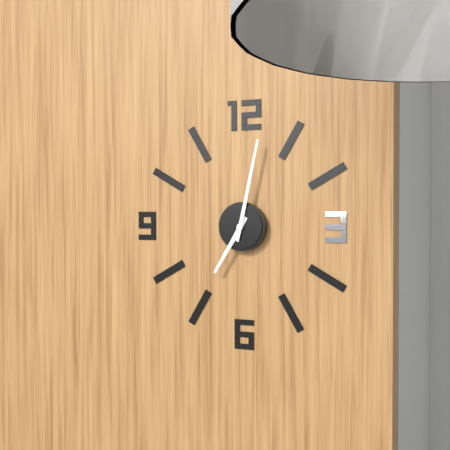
7:02
